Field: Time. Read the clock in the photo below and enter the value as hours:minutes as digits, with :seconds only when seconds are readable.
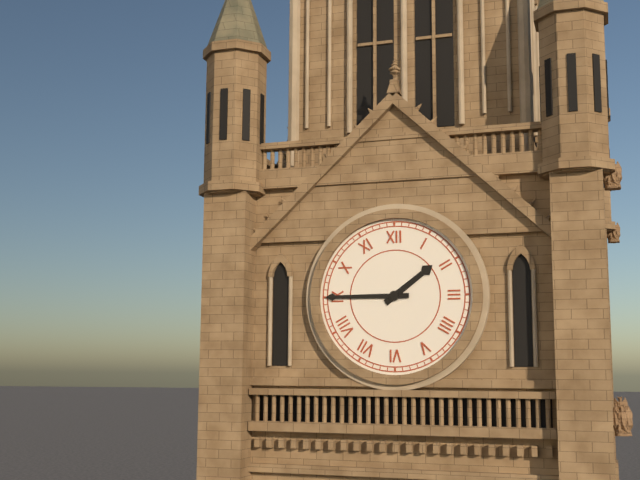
1:45
